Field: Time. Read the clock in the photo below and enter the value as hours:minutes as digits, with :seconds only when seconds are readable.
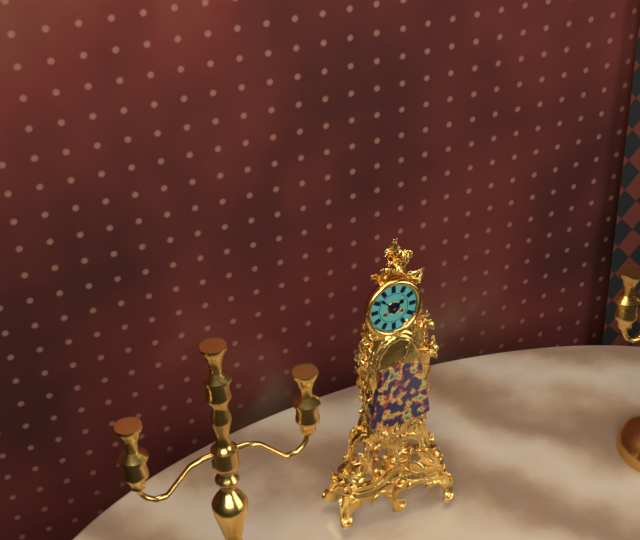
1:52
